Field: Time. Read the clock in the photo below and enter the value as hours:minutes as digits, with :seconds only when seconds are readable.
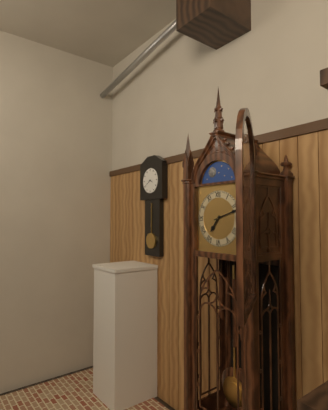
7:12
